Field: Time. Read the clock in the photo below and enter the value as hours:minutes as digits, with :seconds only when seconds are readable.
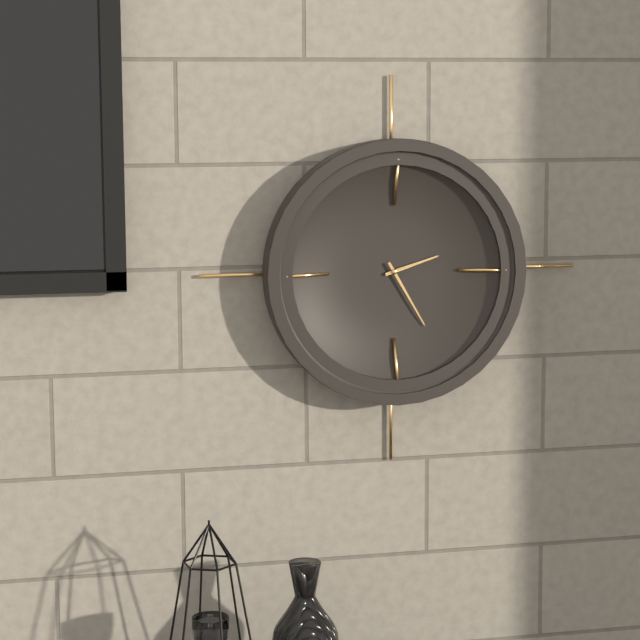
2:25
